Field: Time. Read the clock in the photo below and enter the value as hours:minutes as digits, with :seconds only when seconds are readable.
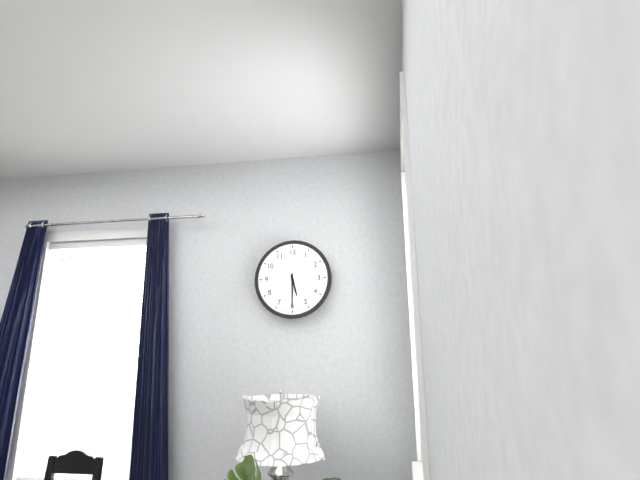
5:30
